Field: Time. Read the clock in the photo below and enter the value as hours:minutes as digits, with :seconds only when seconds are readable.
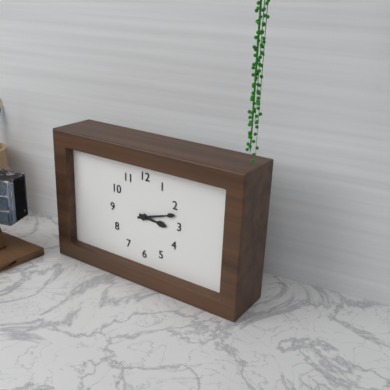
3:12
